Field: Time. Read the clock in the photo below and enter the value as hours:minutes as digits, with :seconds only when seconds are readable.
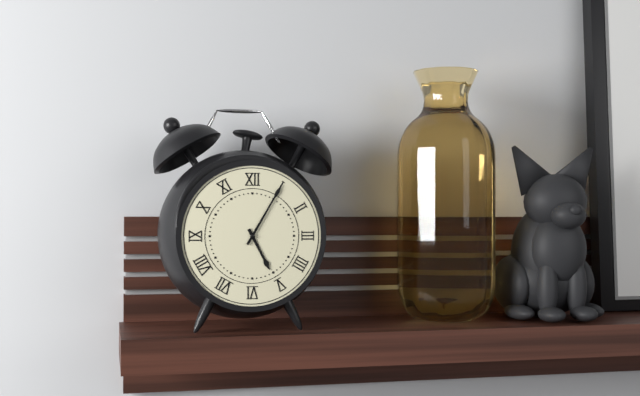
5:05
